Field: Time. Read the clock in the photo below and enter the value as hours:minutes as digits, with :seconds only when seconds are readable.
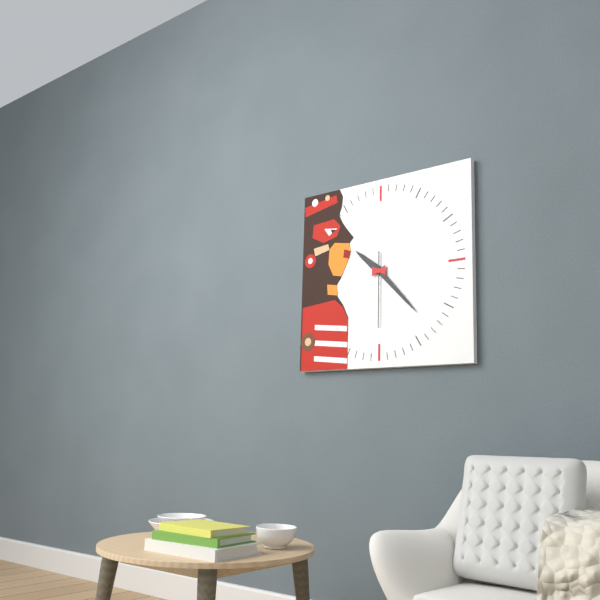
10:23:30
